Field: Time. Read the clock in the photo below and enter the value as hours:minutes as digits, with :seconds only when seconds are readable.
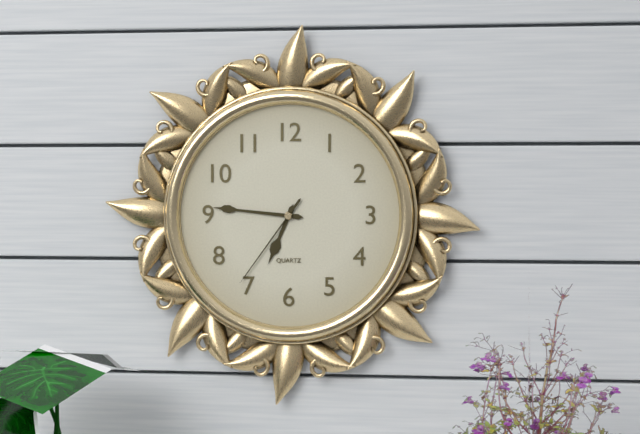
6:46:36
